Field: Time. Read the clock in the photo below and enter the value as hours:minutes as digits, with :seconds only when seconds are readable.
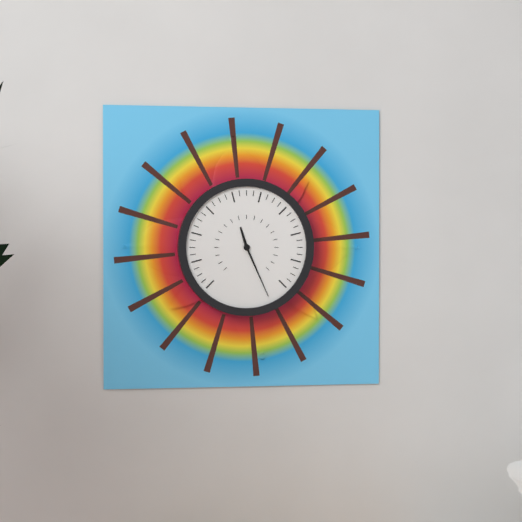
11:26
